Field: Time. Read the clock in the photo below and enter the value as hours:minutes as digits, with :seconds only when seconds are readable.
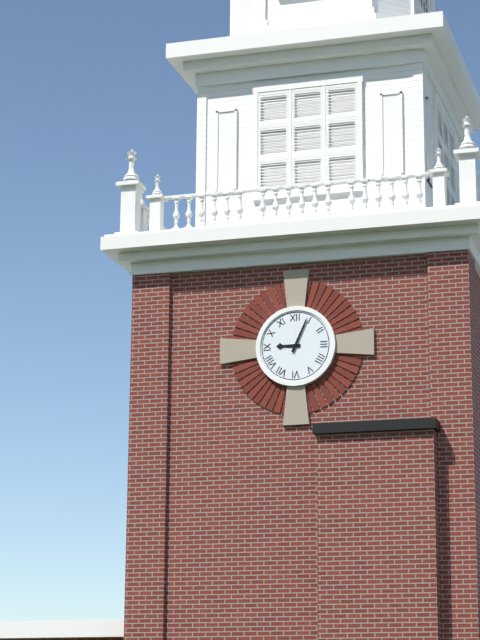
9:04
